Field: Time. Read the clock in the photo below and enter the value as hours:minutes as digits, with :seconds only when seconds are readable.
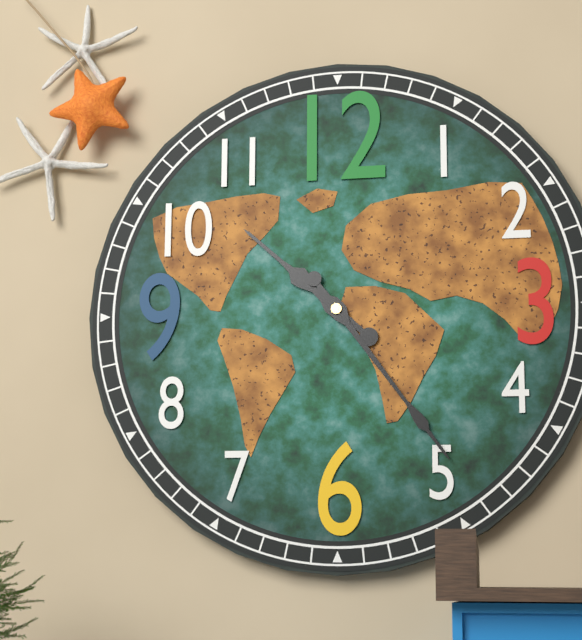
10:24
